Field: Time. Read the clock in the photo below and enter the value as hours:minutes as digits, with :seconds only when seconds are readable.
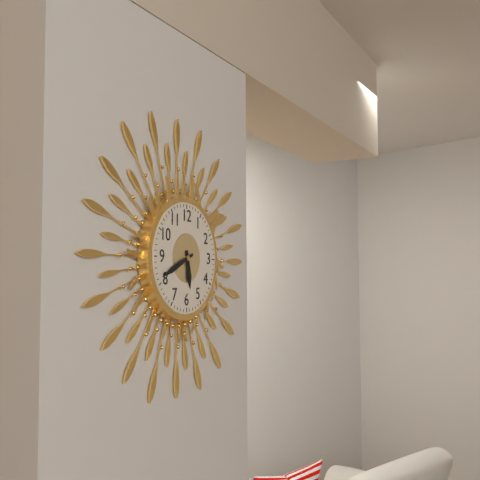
5:41
